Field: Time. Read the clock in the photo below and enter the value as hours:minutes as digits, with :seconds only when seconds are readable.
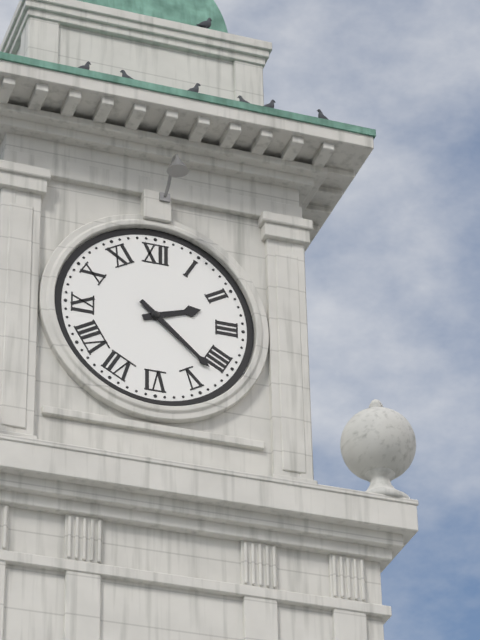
2:22
